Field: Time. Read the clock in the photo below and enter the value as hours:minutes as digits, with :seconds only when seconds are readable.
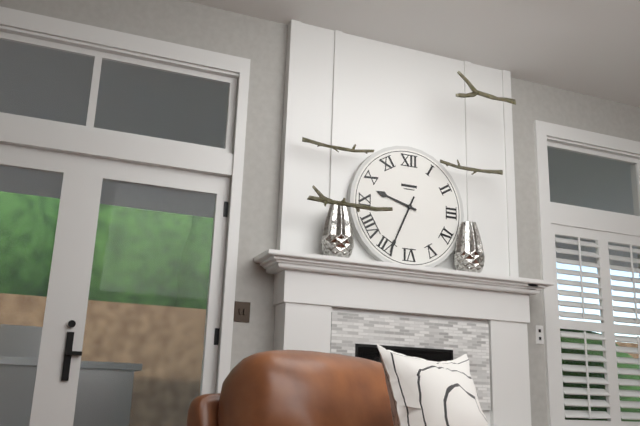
9:34
